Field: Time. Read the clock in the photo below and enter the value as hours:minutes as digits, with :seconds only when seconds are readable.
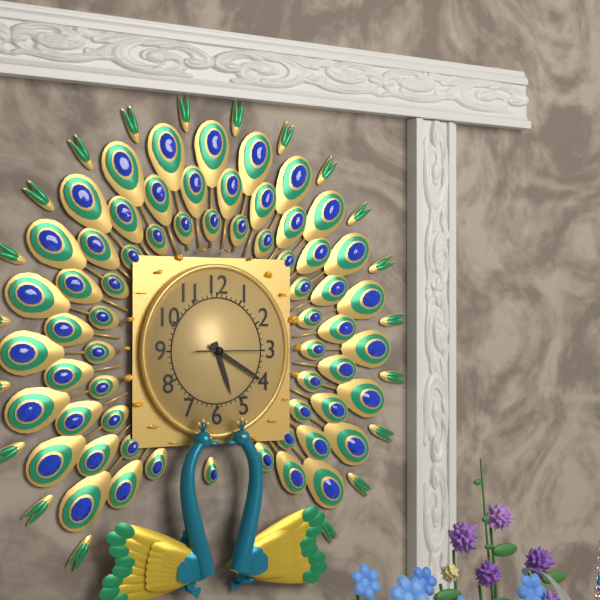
5:20:15
